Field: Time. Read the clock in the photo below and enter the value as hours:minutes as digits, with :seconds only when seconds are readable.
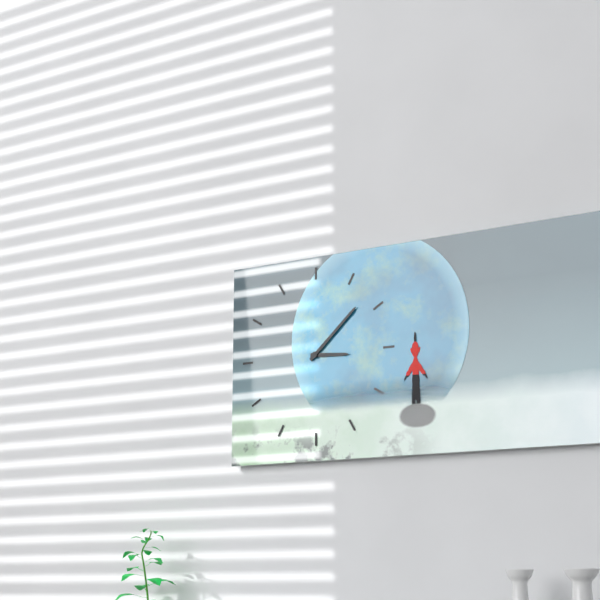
3:08
